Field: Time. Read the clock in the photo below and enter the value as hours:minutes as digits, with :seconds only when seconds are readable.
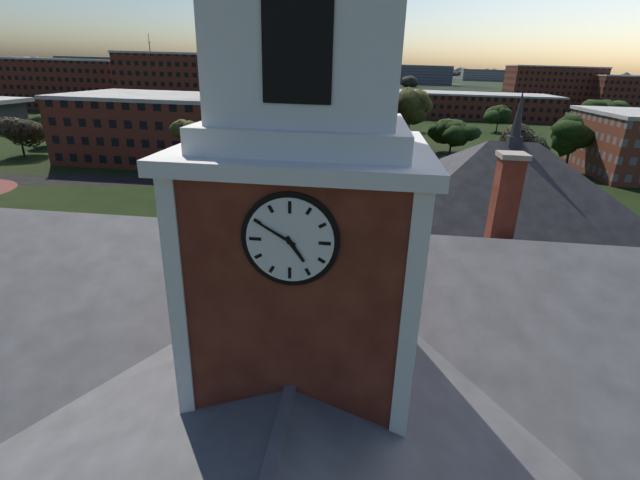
4:50
